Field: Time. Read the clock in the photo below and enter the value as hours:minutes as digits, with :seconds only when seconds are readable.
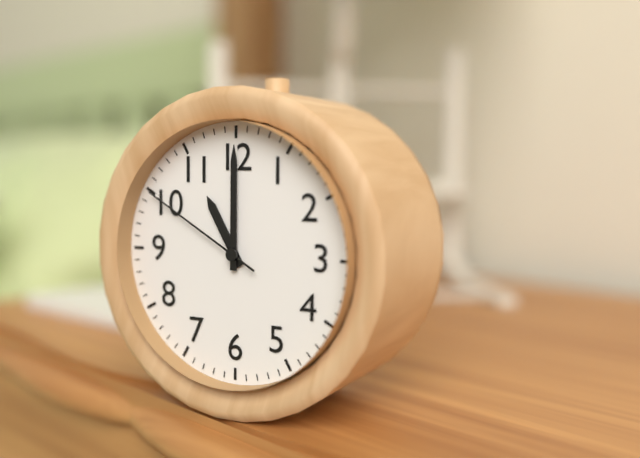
11:00:50
